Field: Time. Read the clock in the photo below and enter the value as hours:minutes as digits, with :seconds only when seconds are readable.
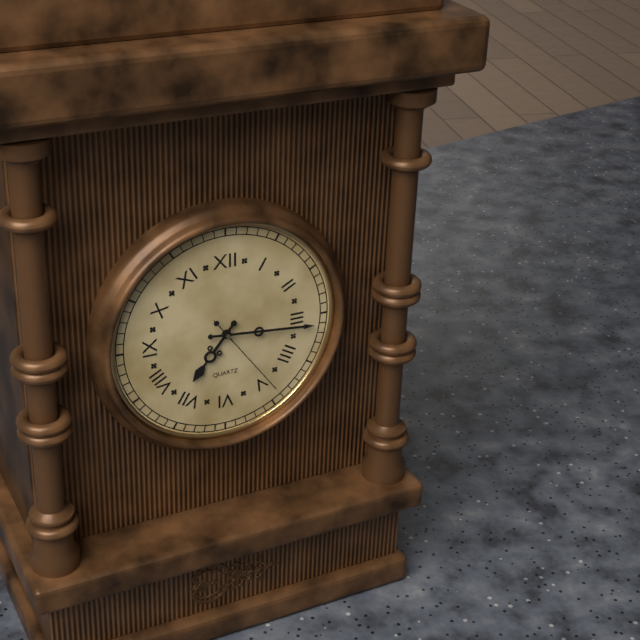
7:16:24
